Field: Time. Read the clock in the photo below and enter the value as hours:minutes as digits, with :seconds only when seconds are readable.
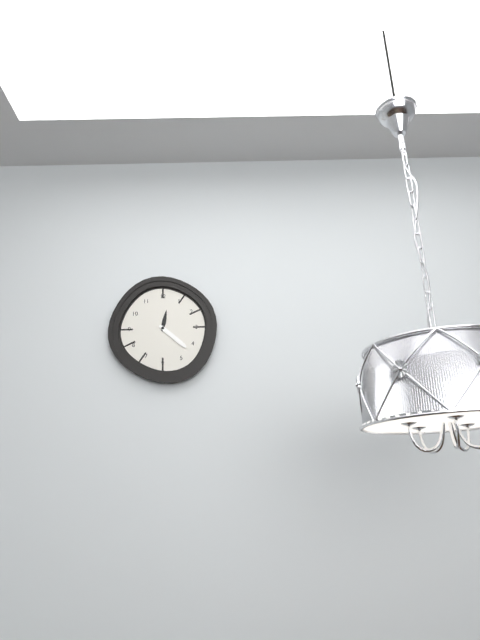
12:22
